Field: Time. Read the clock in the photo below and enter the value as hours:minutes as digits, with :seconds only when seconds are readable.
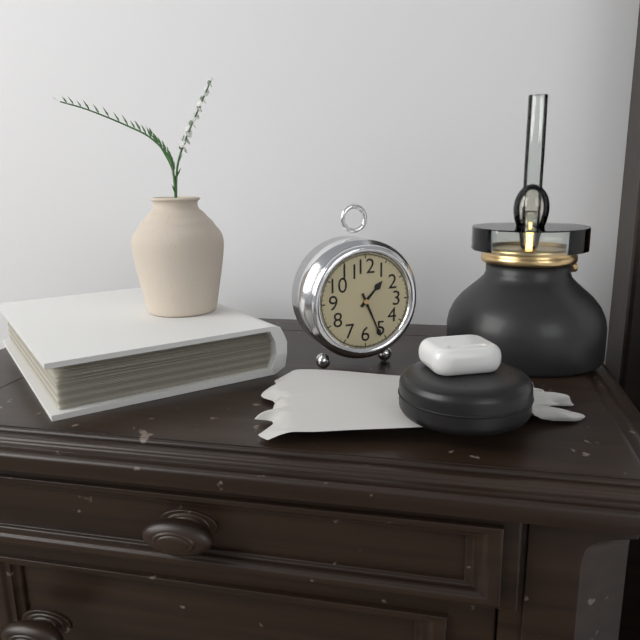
1:26
